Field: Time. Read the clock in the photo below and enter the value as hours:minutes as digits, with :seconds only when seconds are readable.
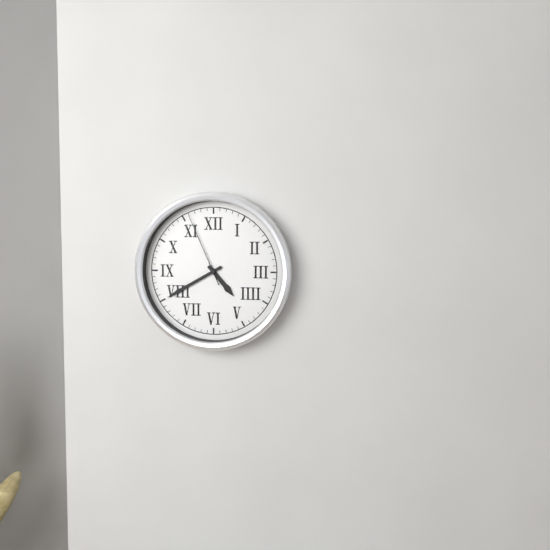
4:40:56
